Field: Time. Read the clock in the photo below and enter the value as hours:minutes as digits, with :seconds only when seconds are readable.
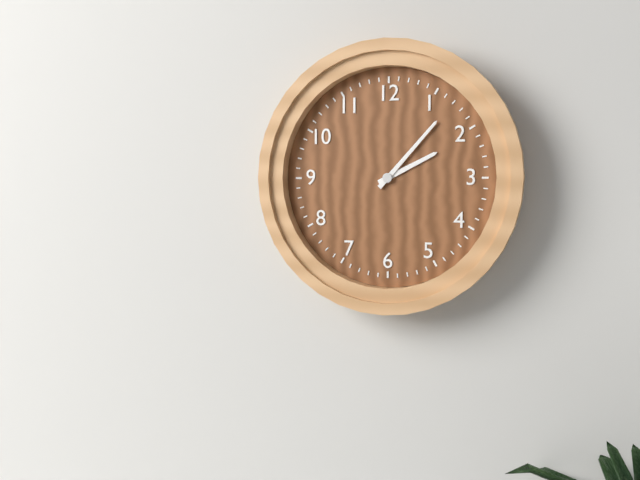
2:07
